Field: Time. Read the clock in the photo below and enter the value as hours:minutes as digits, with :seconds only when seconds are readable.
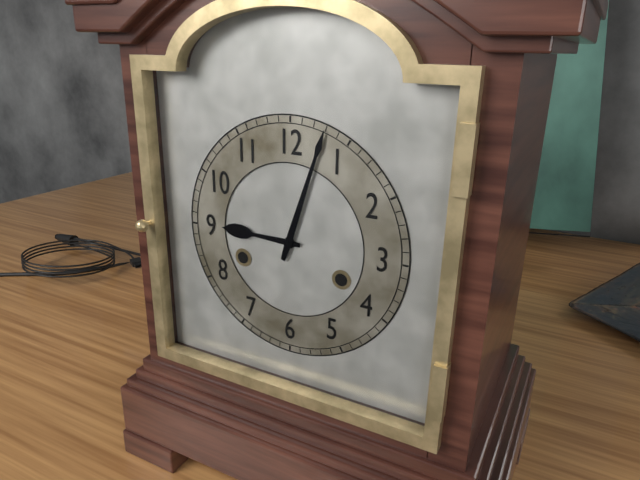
9:03
